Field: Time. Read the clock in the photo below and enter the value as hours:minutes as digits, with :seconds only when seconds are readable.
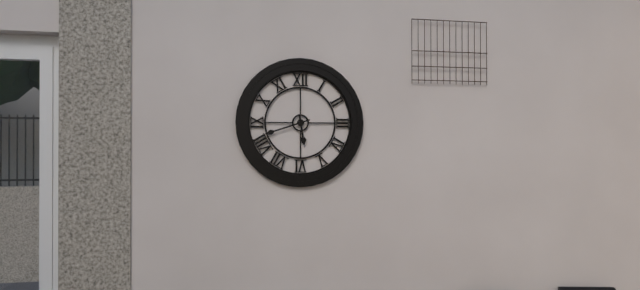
5:42
